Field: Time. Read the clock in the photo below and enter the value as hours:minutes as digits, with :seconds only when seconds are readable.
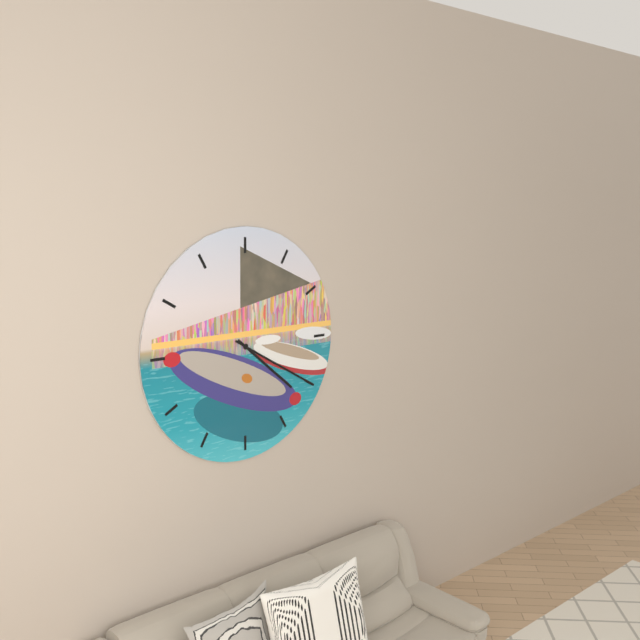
4:20
